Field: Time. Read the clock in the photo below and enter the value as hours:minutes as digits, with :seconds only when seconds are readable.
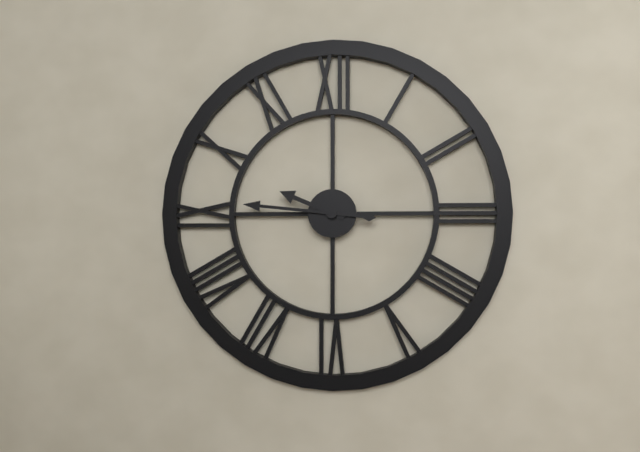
9:46
